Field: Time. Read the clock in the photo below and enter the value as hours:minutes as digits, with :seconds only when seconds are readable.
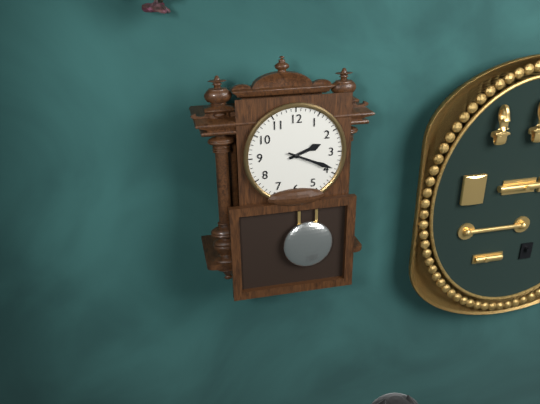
2:19
